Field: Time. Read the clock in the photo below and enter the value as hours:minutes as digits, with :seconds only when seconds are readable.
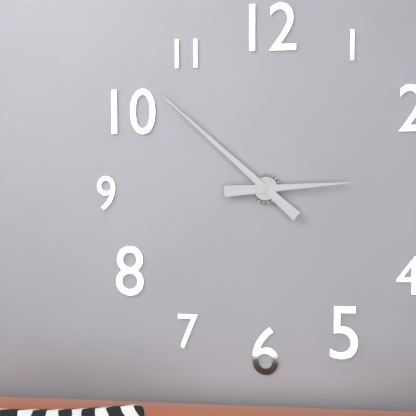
2:52
